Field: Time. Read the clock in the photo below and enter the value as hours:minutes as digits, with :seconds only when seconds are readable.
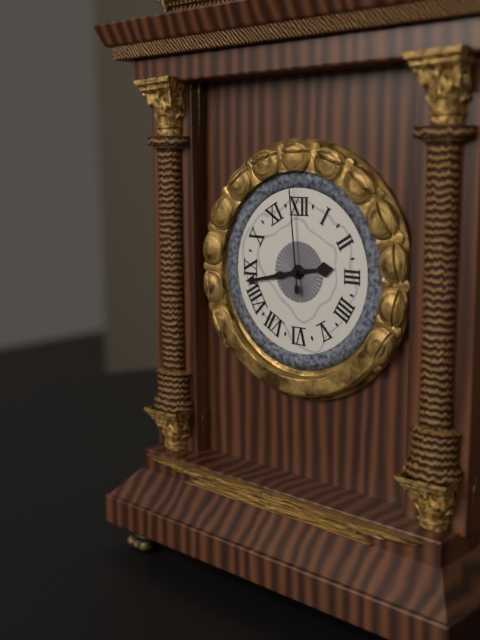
2:43:59
